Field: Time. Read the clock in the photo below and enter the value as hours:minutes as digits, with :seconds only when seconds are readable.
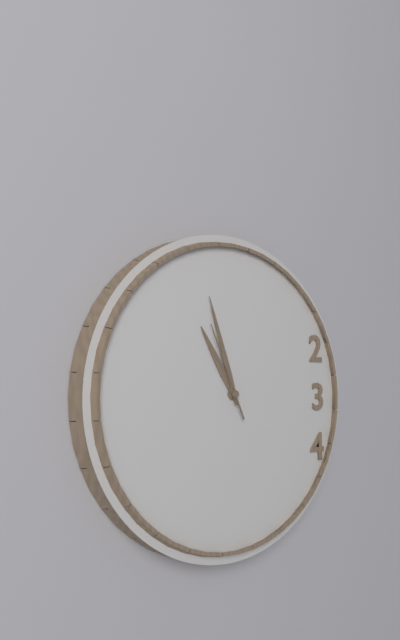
10:57:56
